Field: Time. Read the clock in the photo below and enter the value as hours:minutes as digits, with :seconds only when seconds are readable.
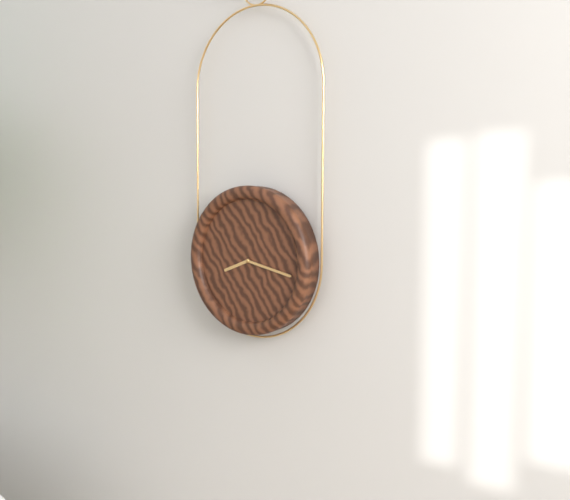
8:17
